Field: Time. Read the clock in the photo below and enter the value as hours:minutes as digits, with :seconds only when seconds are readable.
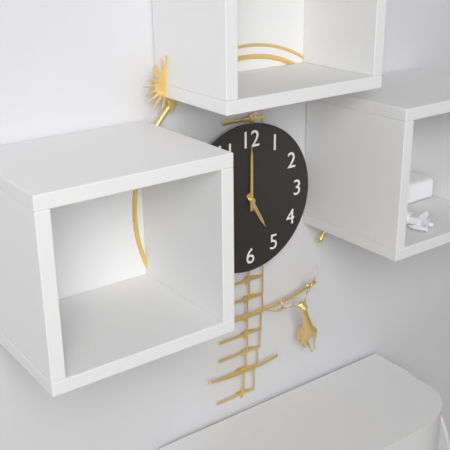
5:00
